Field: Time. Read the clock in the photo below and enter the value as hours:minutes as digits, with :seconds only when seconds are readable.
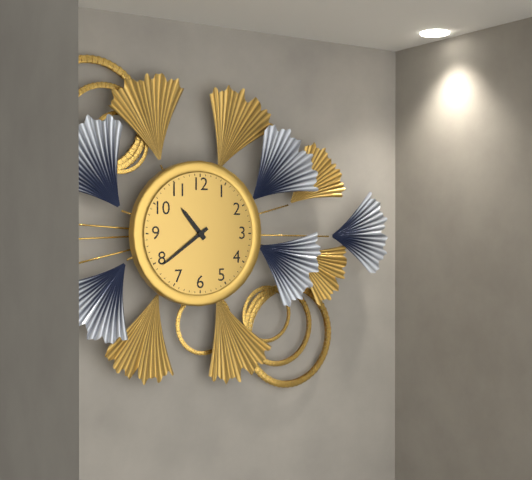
10:39
